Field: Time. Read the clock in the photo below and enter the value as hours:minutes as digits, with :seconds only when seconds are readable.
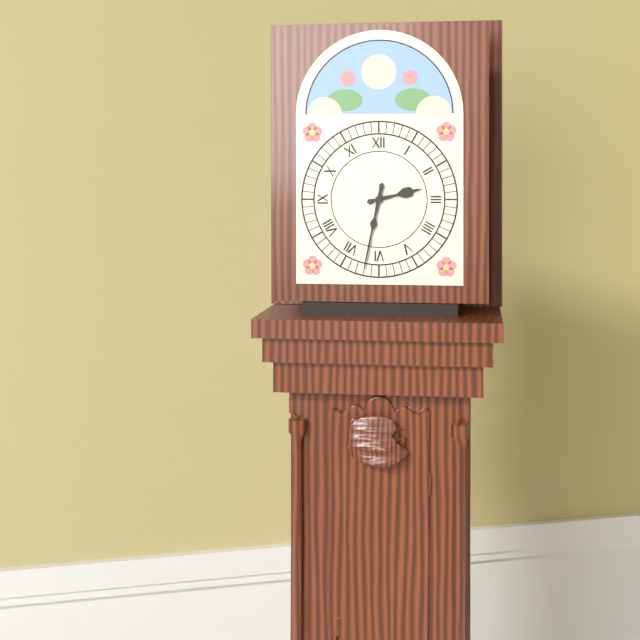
2:32
